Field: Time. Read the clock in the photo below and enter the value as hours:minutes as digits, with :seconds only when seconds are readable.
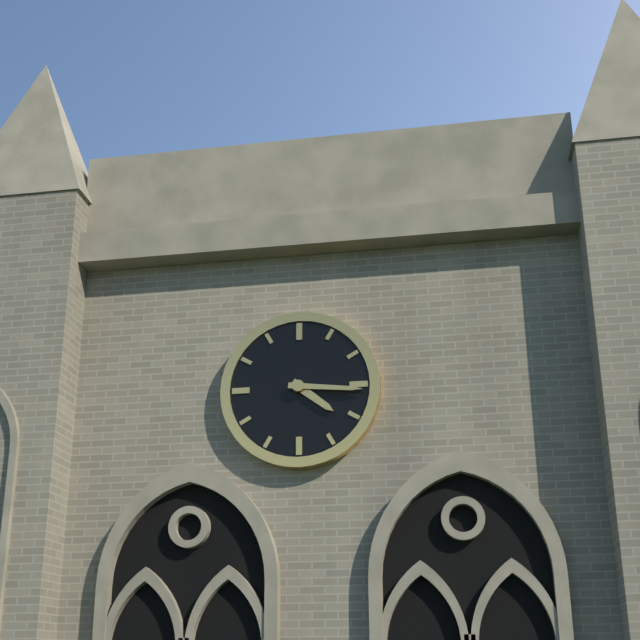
4:16
